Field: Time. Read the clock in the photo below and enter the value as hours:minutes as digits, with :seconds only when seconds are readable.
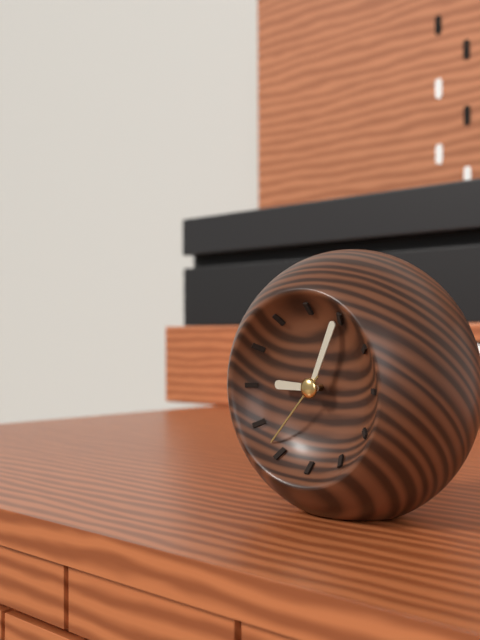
9:04:37
